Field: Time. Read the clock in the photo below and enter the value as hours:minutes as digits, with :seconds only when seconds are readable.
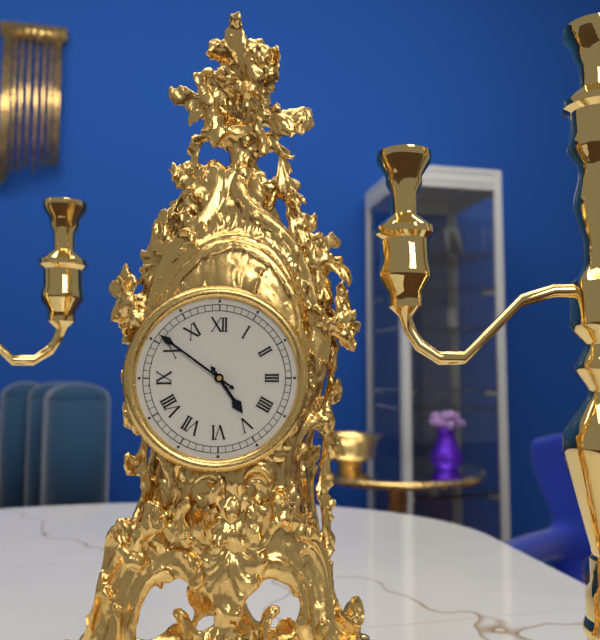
4:51
